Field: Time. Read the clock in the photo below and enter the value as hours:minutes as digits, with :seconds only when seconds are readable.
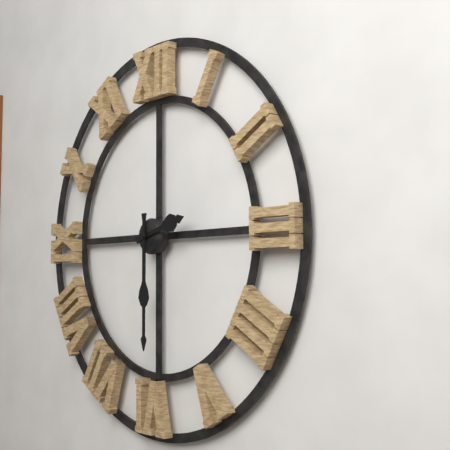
2:30
